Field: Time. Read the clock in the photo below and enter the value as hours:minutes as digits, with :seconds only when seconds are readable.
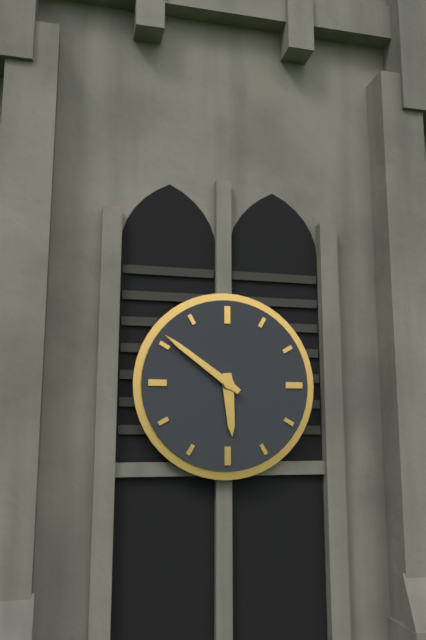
5:51
